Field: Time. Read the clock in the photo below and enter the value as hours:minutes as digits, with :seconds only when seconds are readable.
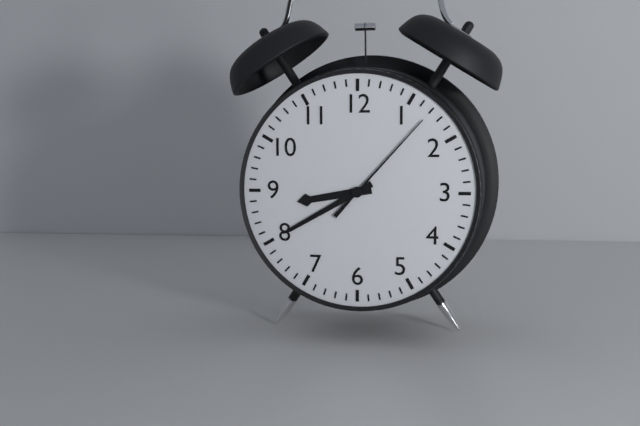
8:40:07
